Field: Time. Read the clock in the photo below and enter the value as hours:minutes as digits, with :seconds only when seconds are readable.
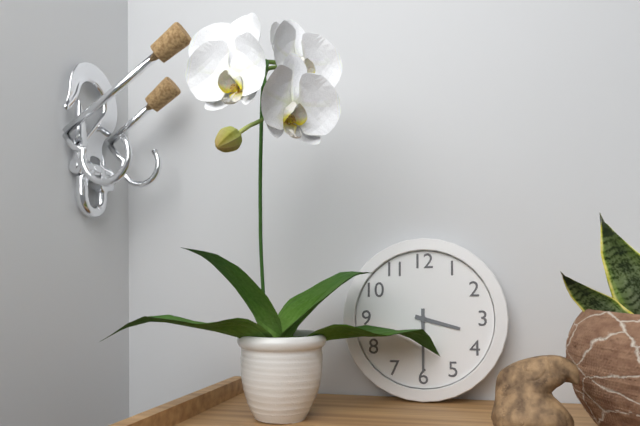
3:30
